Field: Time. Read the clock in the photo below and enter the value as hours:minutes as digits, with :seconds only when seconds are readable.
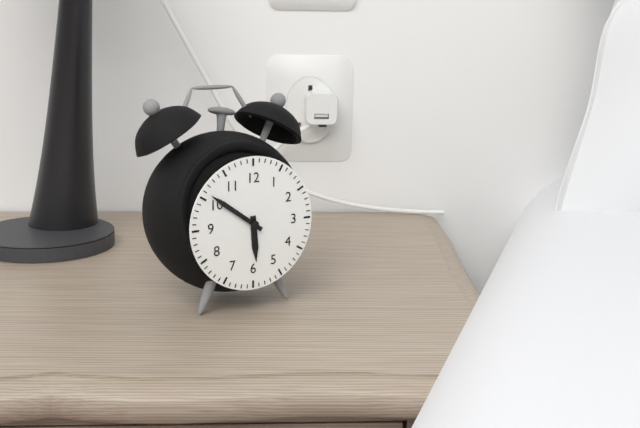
5:51
